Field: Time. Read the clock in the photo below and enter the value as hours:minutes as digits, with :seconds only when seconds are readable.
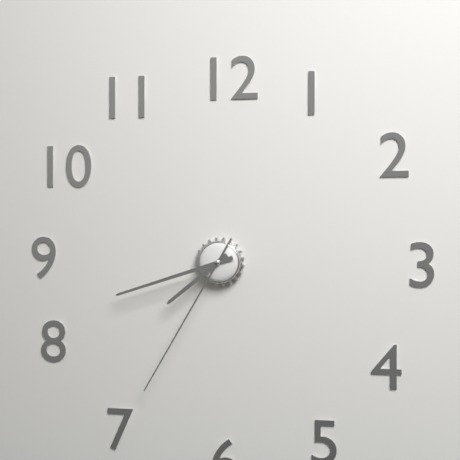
7:42:35
